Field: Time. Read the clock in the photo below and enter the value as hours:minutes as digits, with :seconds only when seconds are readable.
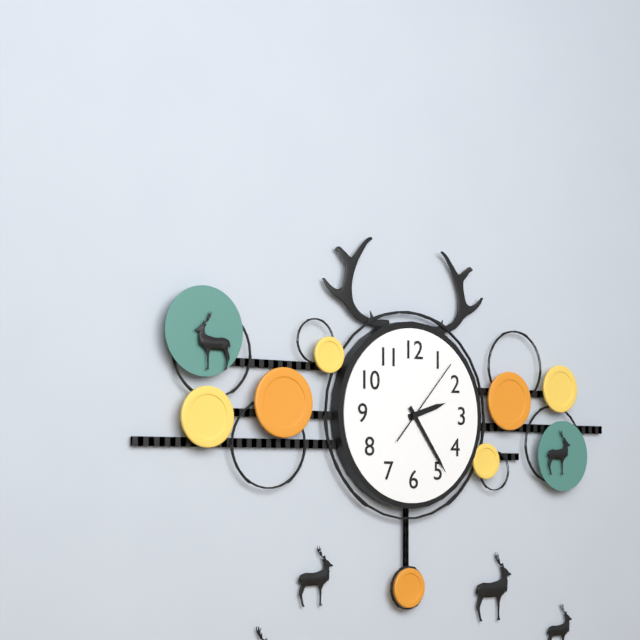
2:24:07
